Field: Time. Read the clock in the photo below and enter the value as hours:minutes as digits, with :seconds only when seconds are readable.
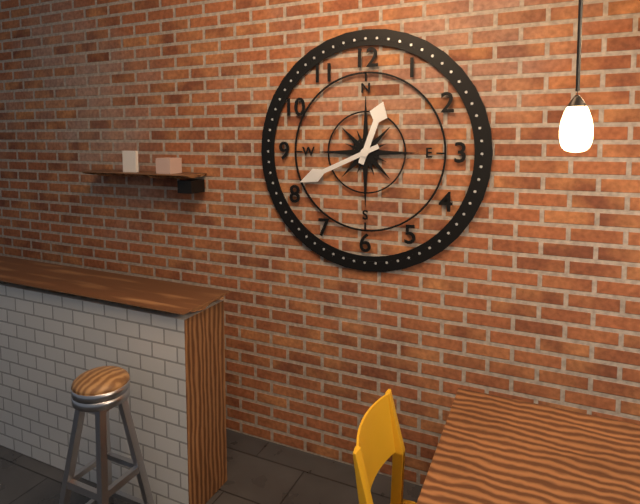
12:41
